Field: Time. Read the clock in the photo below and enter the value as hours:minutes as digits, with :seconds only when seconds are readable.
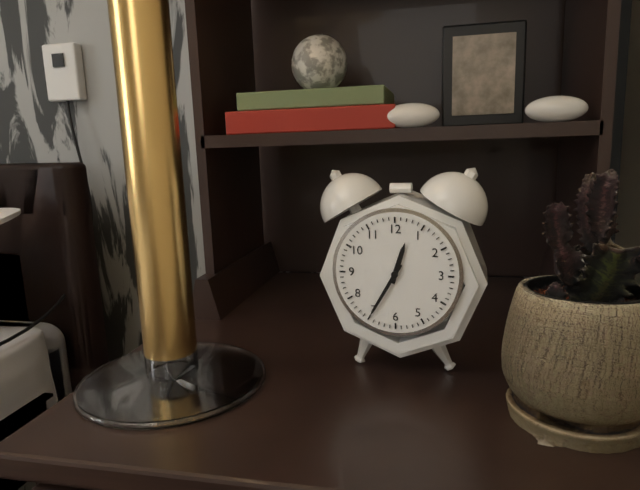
12:35
